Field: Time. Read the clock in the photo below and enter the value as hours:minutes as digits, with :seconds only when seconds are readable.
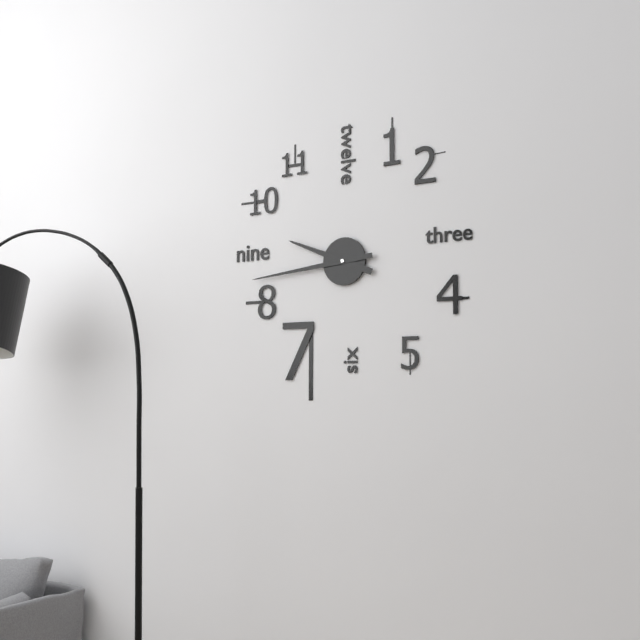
9:44
